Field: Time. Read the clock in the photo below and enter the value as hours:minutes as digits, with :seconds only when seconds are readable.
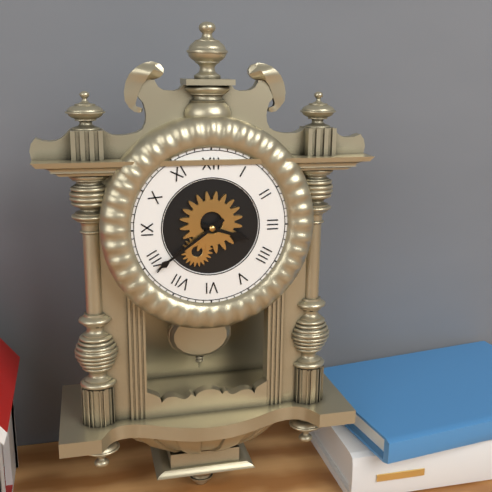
3:39
